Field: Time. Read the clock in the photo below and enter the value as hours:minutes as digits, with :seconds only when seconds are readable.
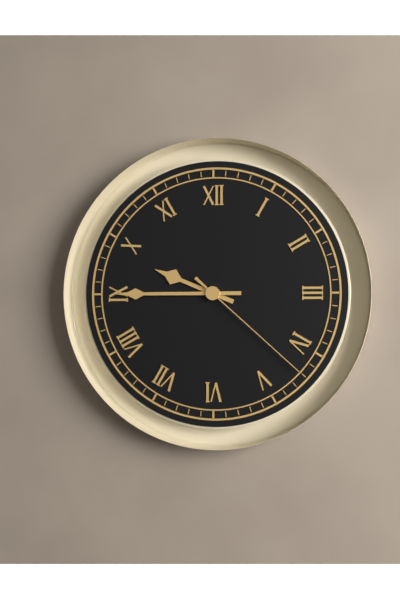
9:45:22
